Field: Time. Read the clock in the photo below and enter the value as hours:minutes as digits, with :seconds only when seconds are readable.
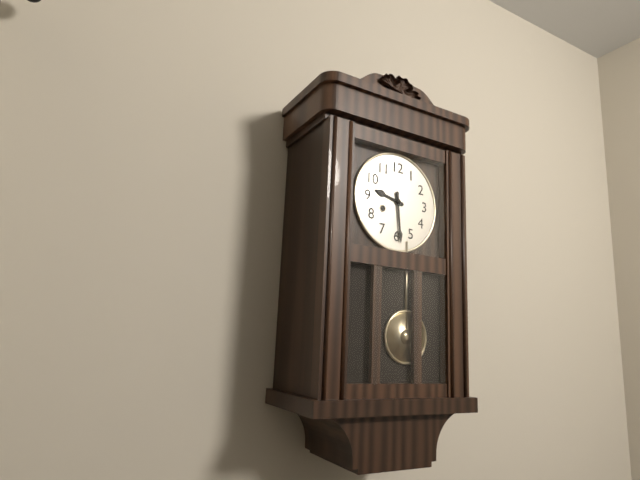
9:29
